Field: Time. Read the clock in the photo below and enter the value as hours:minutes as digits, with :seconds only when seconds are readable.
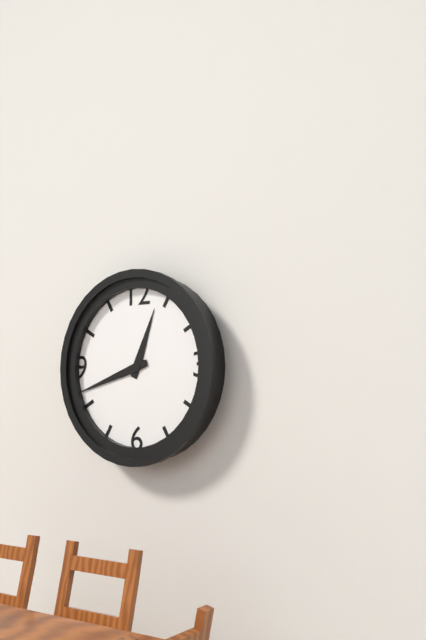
12:42
